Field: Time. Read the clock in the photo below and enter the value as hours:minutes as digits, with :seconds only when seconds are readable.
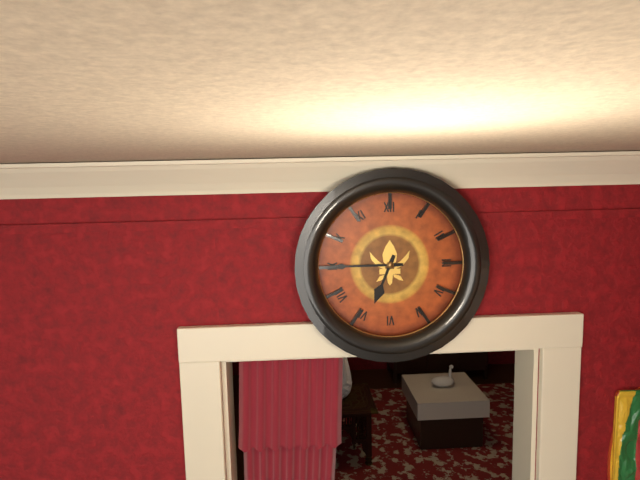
6:45
